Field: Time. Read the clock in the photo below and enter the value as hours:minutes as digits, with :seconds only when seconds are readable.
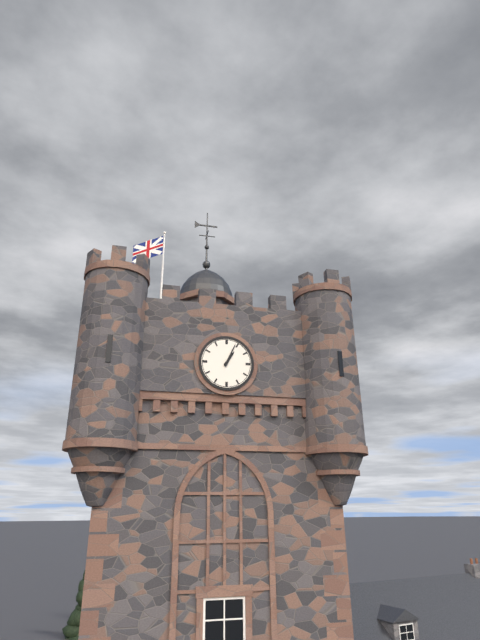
1:04
